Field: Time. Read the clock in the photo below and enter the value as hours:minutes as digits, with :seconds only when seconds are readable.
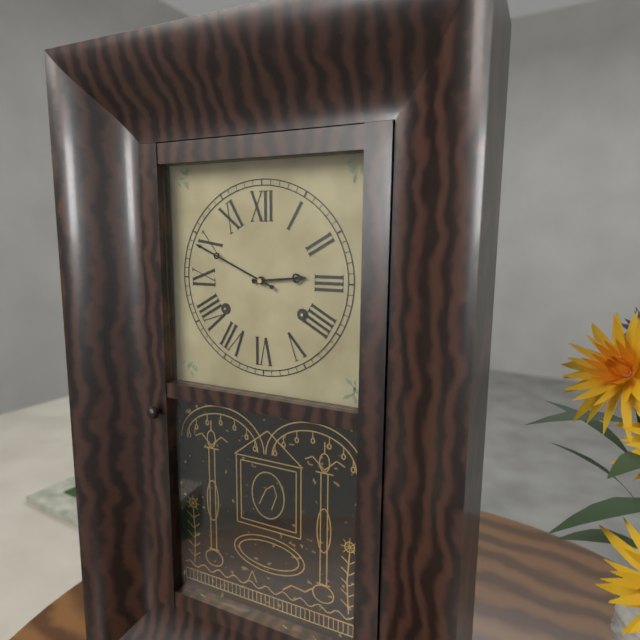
2:49
